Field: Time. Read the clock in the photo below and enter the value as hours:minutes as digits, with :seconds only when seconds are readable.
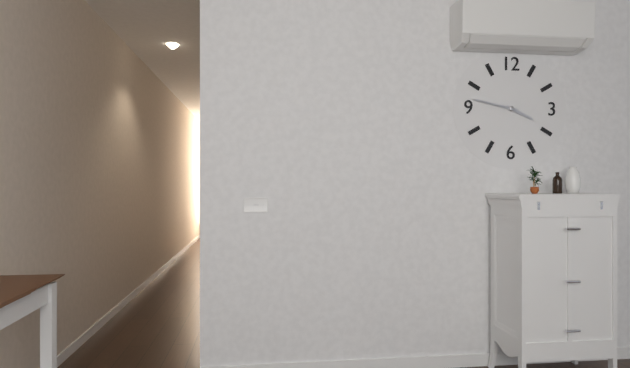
3:47
